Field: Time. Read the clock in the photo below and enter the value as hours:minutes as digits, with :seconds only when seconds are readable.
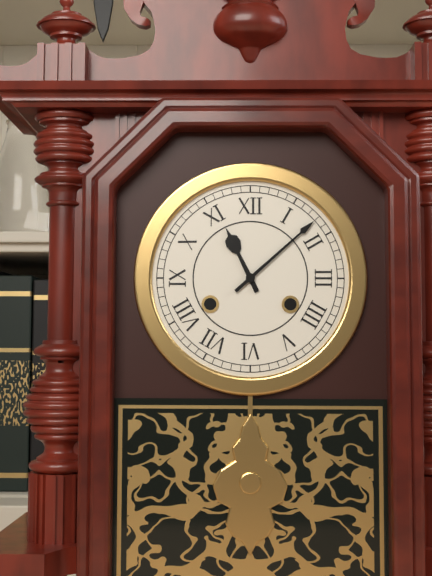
11:08
